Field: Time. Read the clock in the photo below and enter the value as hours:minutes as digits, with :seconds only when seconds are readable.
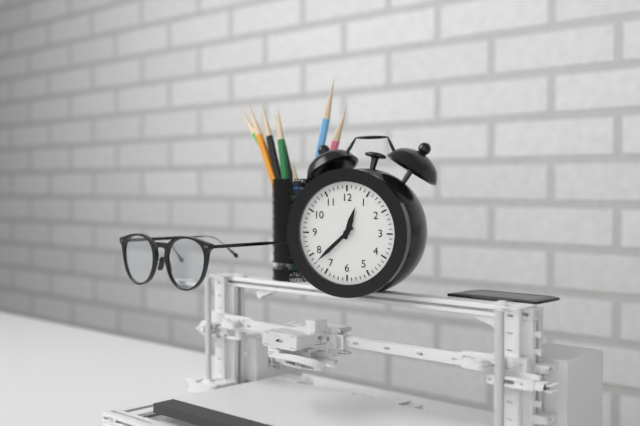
12:38
